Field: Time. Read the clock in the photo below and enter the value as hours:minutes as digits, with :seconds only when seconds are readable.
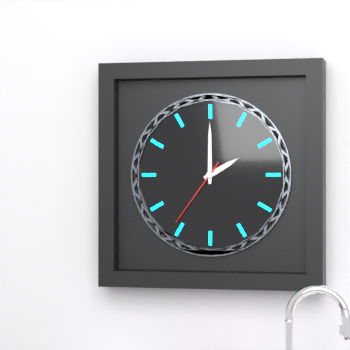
2:00:36
